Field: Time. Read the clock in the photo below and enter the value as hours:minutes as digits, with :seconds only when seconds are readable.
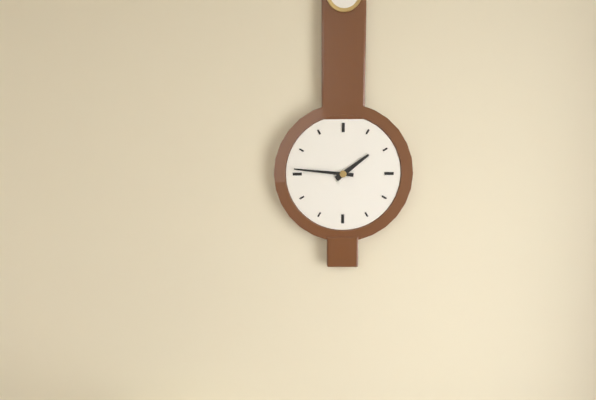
1:46
